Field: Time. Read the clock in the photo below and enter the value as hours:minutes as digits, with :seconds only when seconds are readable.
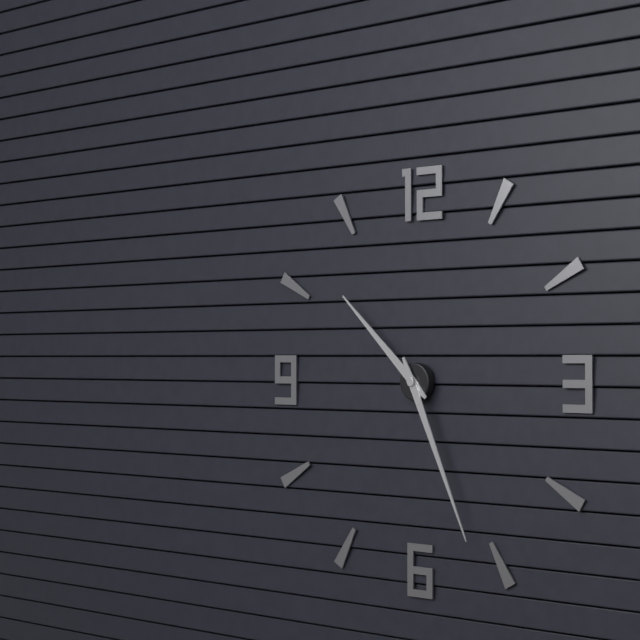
10:26
